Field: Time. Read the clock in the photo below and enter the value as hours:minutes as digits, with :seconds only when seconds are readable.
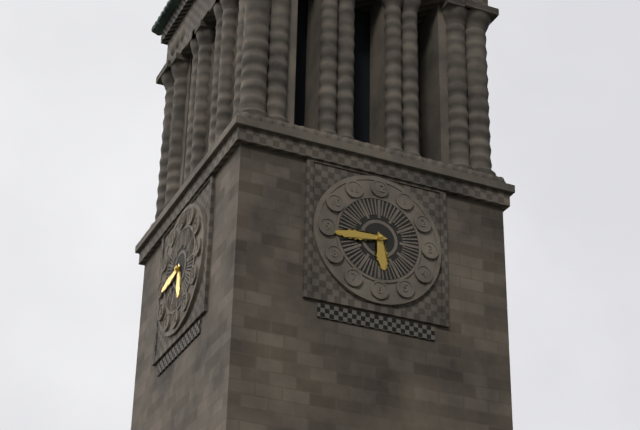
5:44
